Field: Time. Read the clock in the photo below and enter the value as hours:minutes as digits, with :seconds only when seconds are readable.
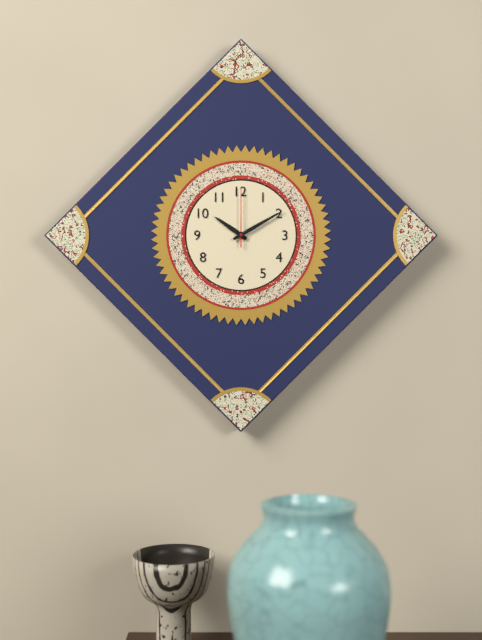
10:10:00
